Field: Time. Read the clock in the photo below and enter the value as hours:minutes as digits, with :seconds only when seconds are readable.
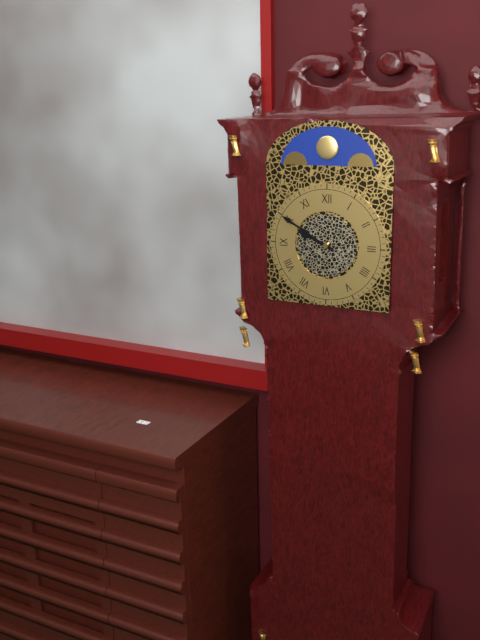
9:50
